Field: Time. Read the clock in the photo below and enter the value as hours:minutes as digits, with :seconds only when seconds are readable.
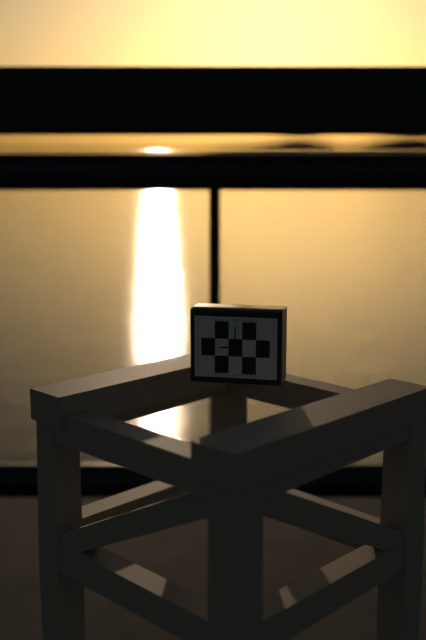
9:00
